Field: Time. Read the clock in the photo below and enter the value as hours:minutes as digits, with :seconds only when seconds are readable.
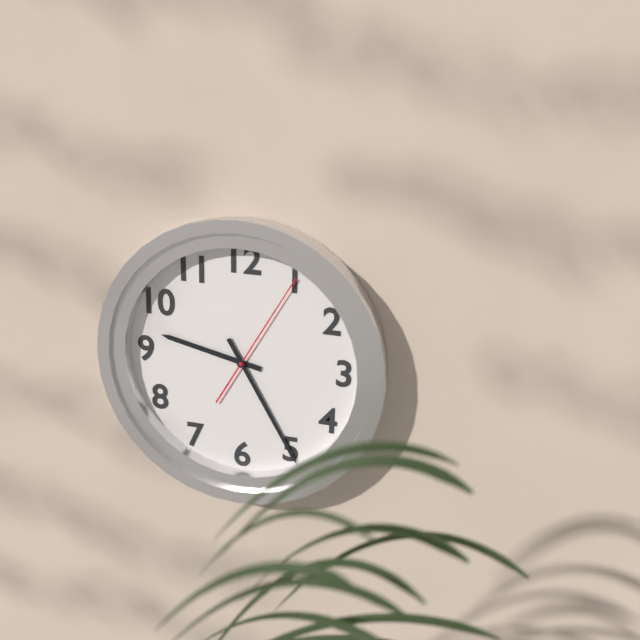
9:25:05
